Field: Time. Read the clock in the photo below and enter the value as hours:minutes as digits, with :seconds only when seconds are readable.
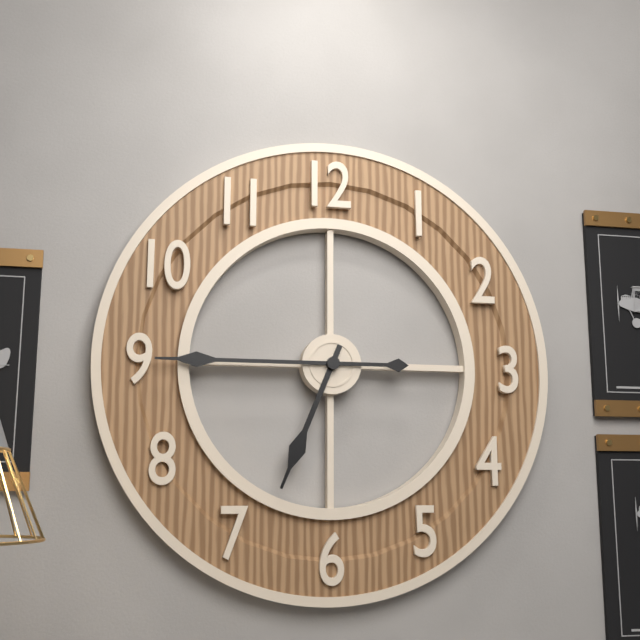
6:45
